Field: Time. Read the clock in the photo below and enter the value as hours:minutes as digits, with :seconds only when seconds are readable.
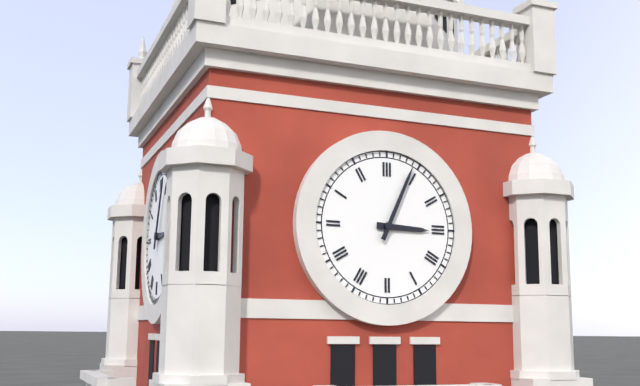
3:04
